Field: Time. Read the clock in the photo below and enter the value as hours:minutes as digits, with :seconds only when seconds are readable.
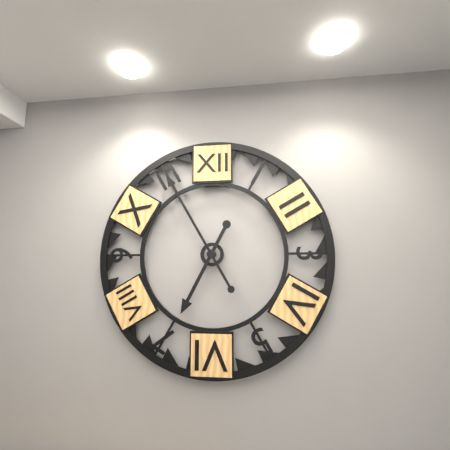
6:55
